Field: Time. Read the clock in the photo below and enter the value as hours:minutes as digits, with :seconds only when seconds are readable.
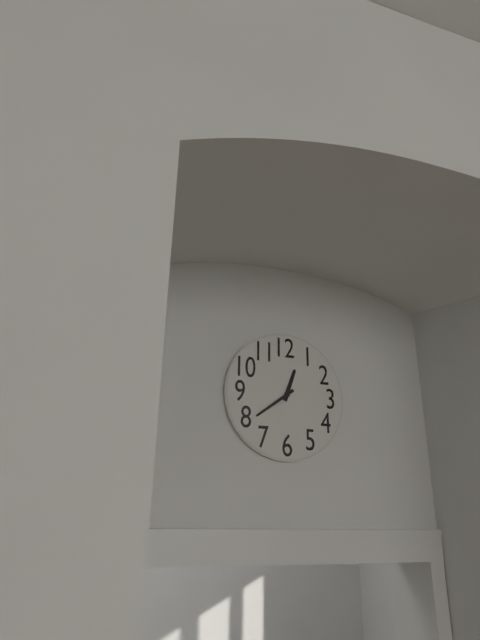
12:39
